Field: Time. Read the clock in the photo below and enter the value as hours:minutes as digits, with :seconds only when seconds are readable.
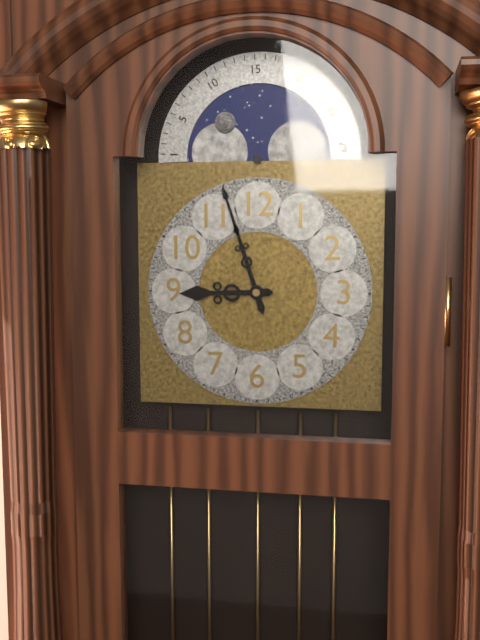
8:57
